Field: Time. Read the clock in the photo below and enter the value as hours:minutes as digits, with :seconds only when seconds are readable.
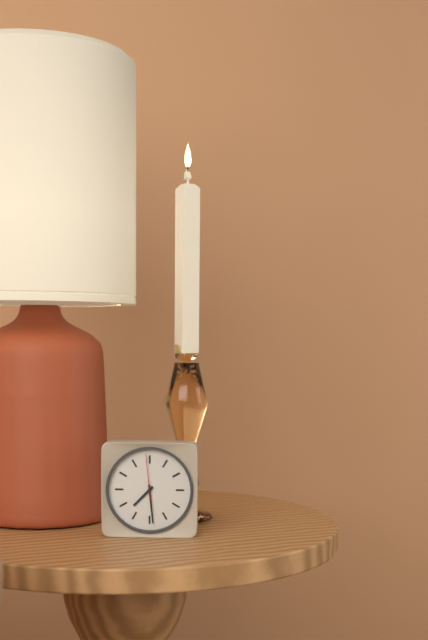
7:29
